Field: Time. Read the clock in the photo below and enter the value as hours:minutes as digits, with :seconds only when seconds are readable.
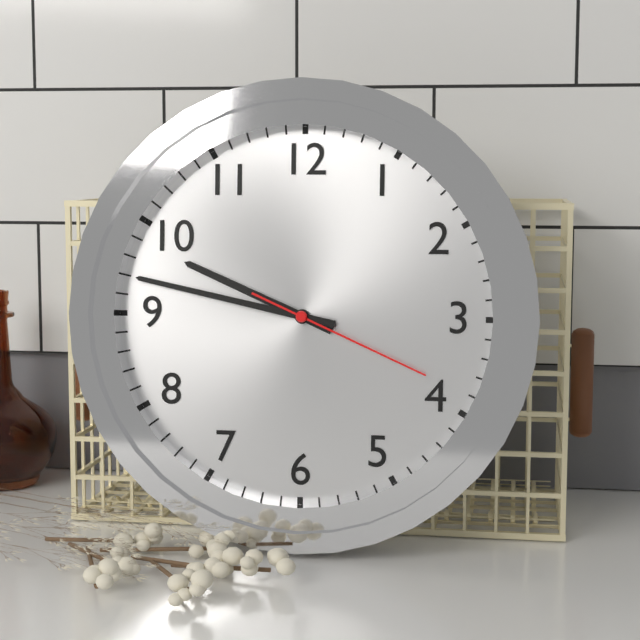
9:47:19
